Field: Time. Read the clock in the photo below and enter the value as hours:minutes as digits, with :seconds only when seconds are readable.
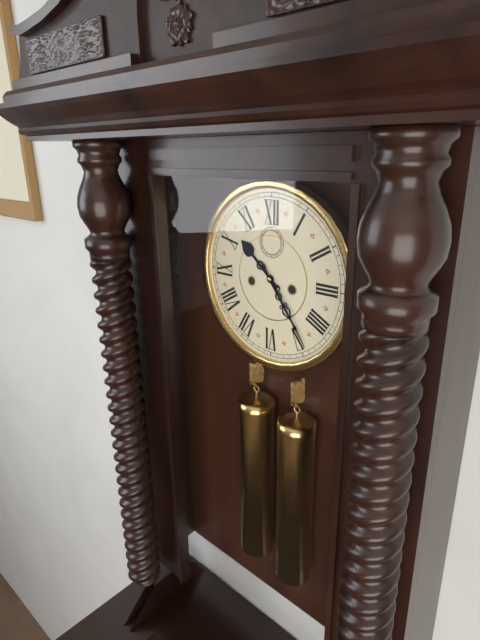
10:24
